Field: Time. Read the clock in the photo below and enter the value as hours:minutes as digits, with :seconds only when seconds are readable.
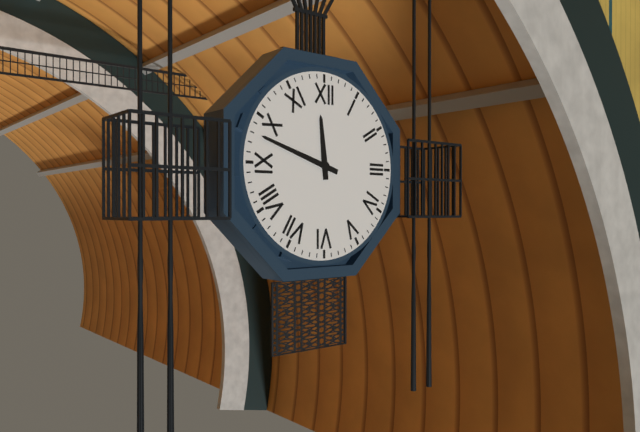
11:48
